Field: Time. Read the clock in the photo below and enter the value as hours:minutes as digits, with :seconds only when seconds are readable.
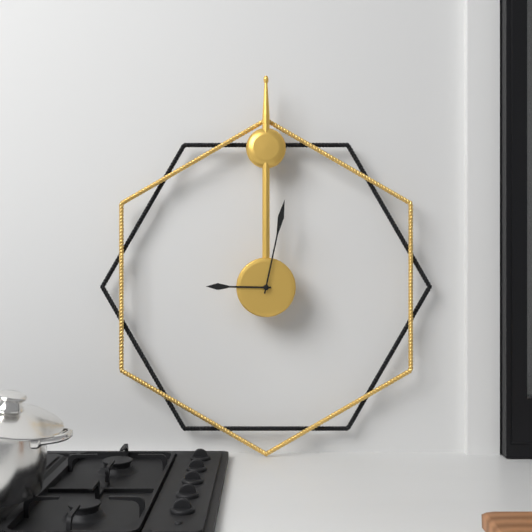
9:02
